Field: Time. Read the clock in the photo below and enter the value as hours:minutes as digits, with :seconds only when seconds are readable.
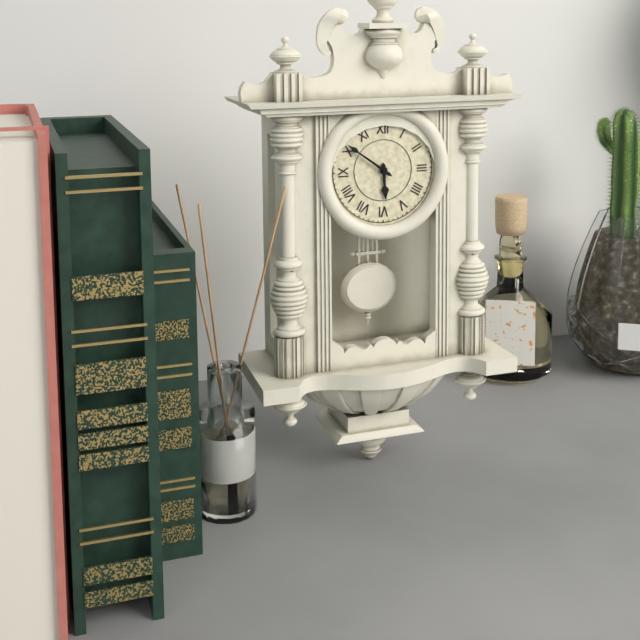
5:51
